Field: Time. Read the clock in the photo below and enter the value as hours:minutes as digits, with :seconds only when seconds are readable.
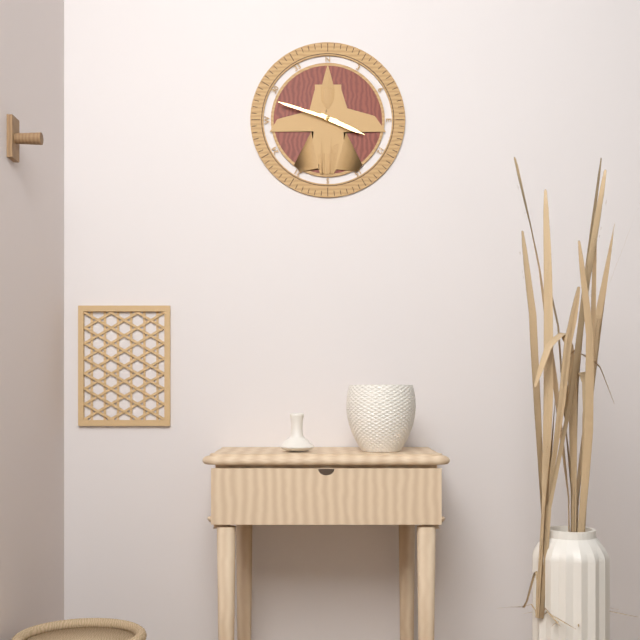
3:48
